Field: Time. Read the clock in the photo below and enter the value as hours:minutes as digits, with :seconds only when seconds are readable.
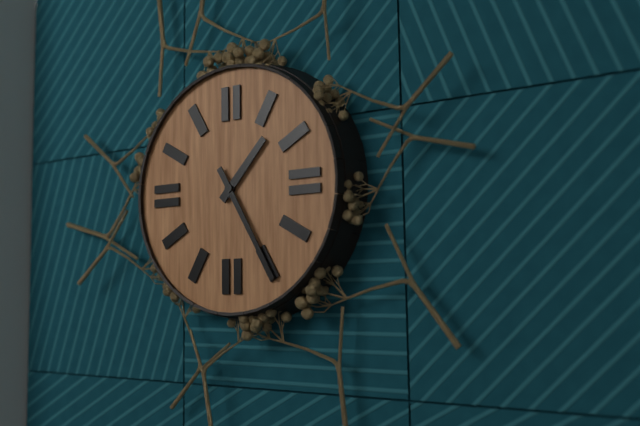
1:25
